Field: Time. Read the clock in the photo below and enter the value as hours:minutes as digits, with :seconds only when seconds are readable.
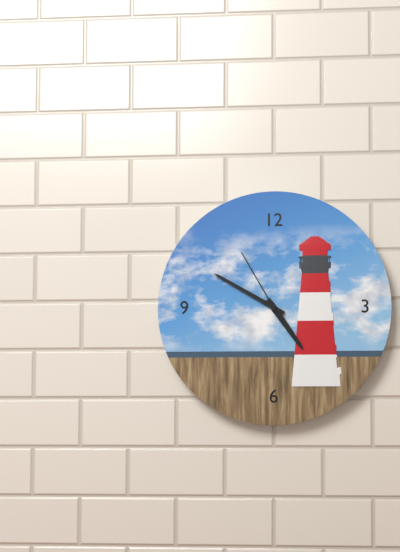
4:50:55
